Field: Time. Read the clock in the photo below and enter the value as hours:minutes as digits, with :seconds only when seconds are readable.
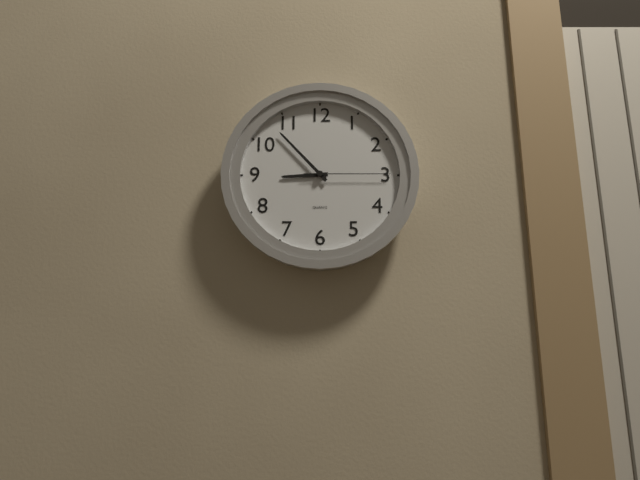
8:53:15
